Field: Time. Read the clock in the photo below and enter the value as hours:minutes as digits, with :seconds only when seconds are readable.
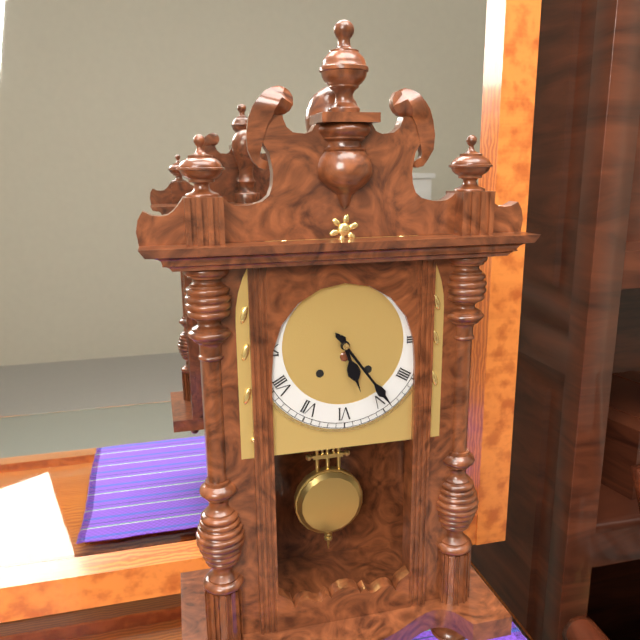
5:24
